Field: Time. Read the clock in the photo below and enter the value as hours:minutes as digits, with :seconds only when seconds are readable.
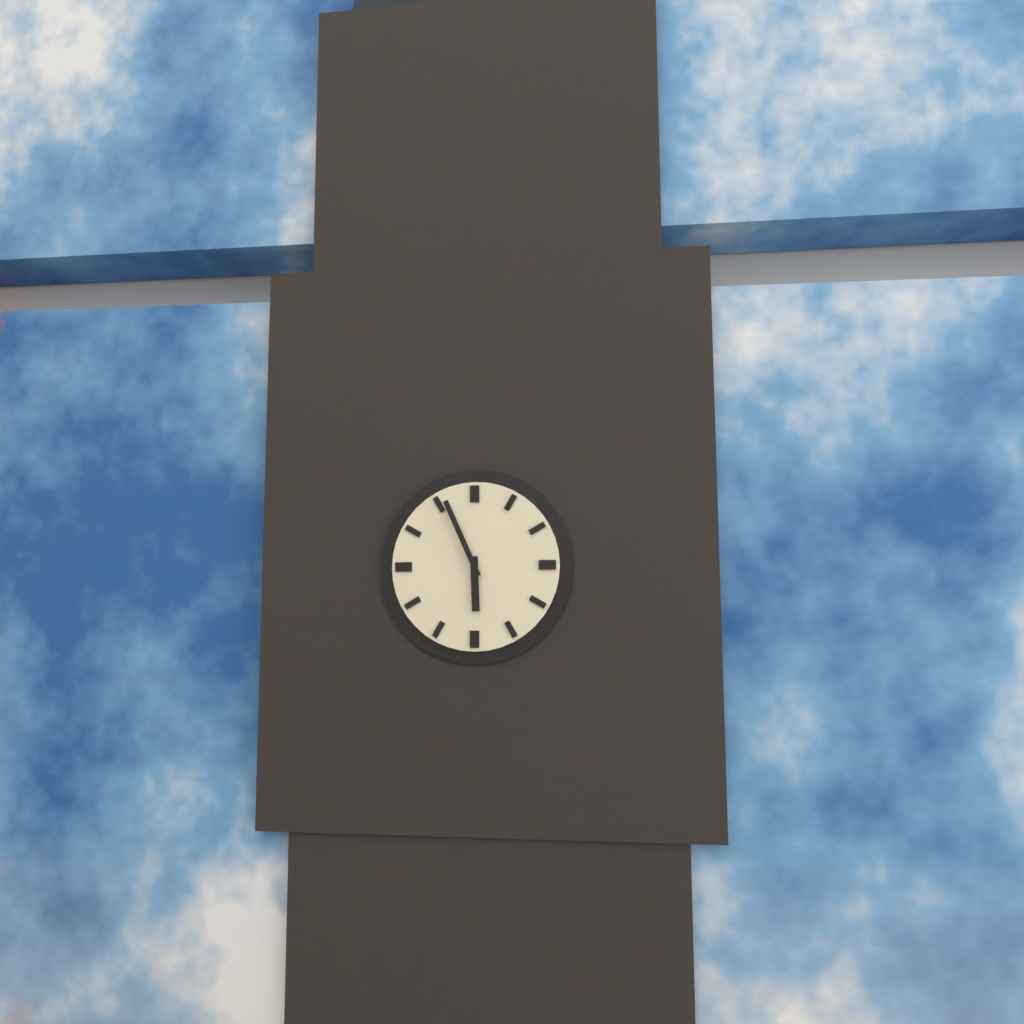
5:56
